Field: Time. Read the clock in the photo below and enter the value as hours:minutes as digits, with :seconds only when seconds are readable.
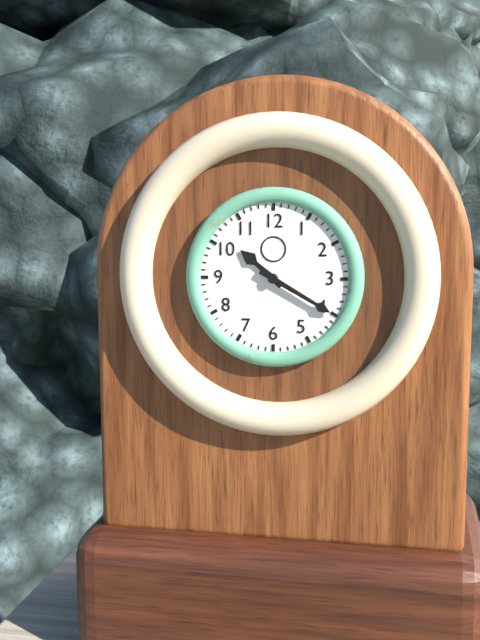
10:20
